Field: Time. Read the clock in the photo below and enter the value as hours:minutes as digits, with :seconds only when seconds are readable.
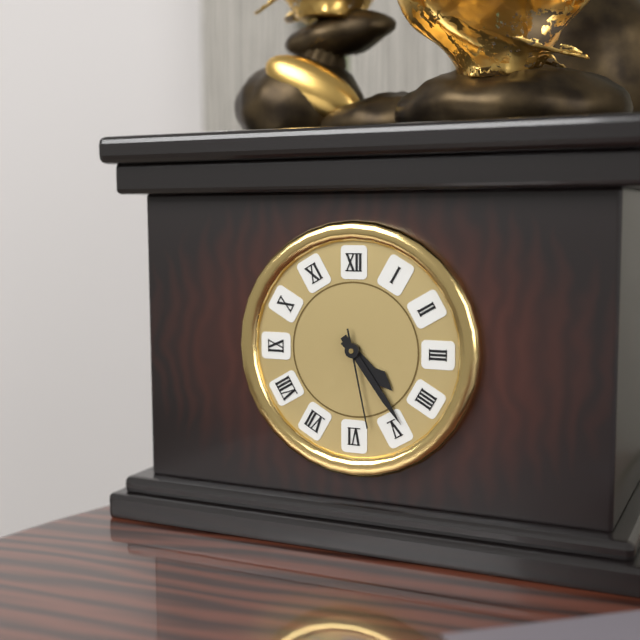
4:24:28
